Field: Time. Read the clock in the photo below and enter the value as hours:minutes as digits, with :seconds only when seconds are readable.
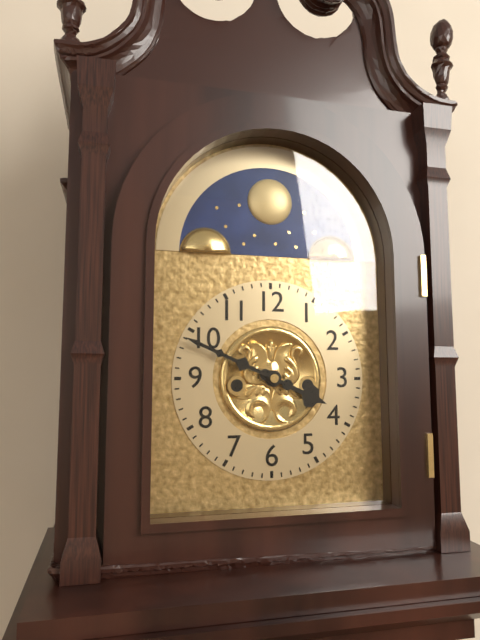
3:49
